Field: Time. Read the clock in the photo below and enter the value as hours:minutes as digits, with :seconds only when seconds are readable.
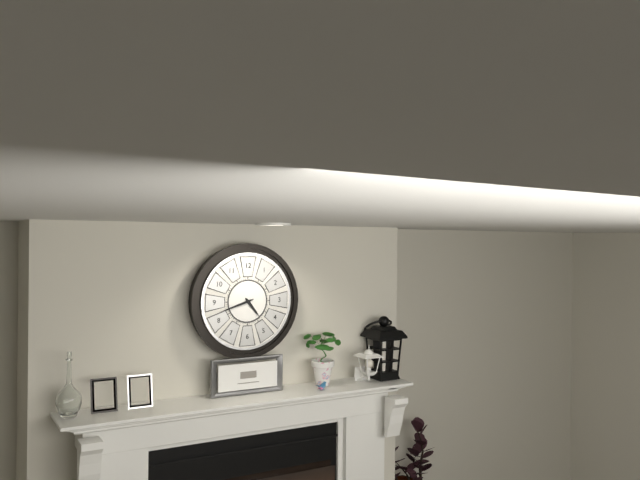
4:42
